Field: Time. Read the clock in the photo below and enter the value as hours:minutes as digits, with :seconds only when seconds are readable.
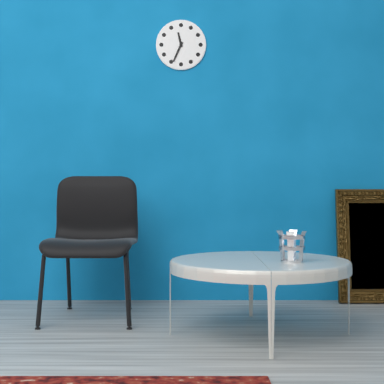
11:34
